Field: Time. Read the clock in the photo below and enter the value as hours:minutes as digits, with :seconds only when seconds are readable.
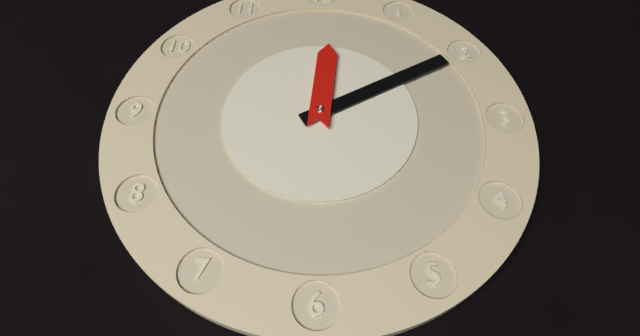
12:10
